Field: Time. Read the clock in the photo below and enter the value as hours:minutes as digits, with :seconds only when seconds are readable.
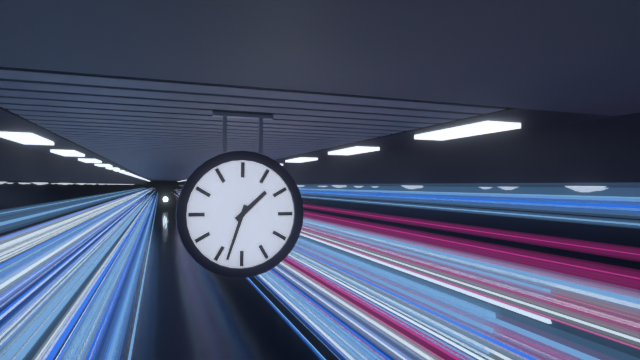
1:33
